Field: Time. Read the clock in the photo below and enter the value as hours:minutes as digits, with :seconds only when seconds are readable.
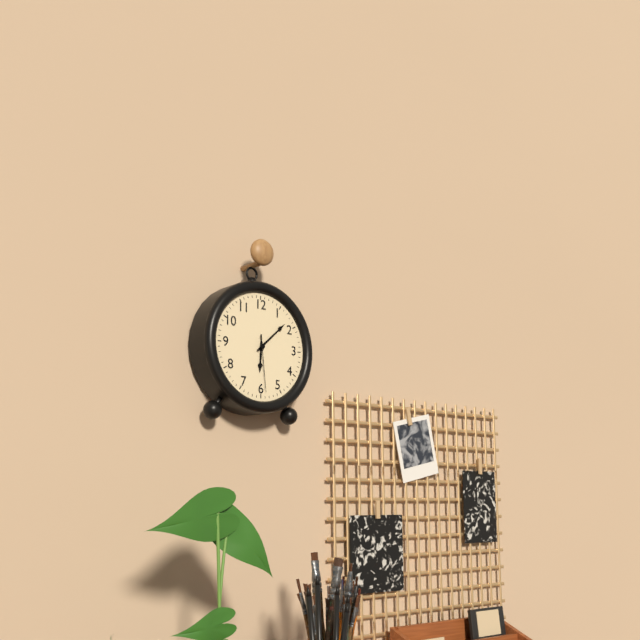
6:08:29
